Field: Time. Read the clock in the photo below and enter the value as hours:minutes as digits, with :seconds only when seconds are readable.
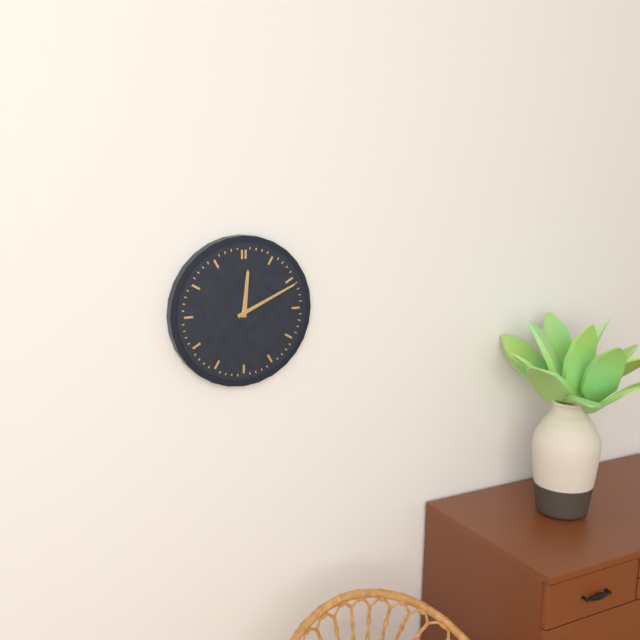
12:11
